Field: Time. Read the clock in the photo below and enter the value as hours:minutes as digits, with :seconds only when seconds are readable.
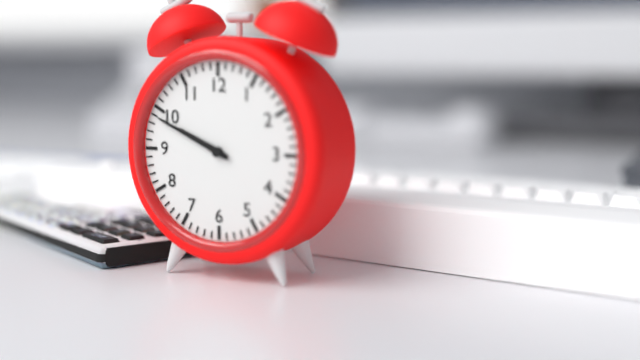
9:49
